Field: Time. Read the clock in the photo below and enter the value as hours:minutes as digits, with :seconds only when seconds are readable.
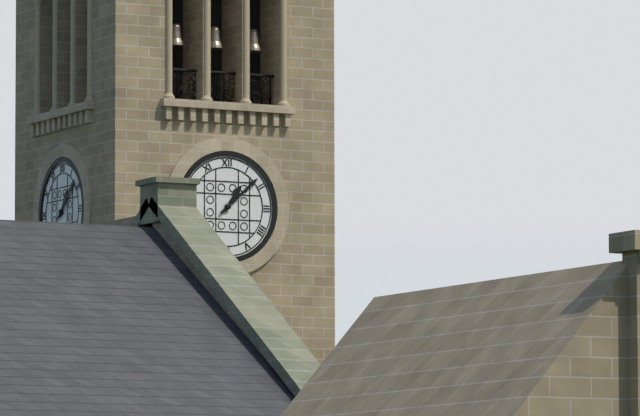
1:08
